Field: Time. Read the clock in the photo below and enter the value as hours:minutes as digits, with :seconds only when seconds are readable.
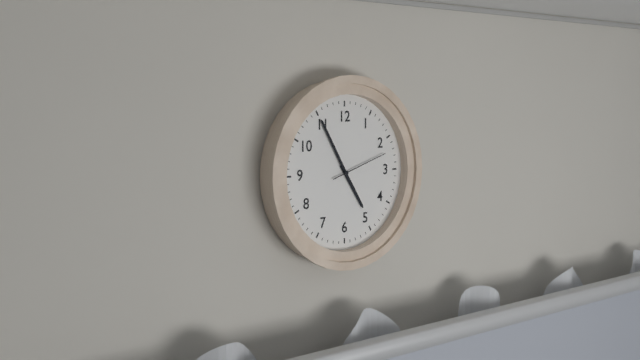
4:55:12
